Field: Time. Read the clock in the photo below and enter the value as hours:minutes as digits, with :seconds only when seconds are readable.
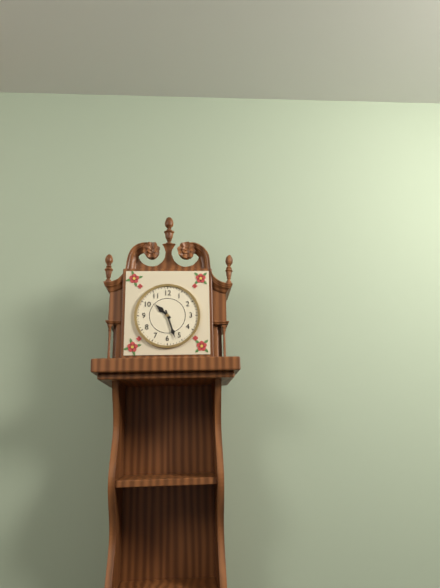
10:27
